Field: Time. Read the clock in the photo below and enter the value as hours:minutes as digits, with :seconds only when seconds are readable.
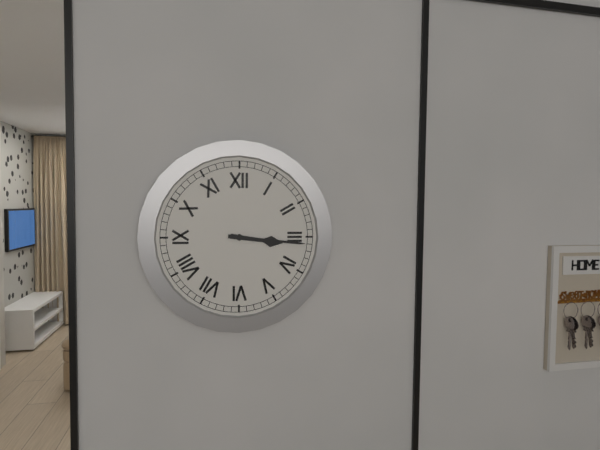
3:16
